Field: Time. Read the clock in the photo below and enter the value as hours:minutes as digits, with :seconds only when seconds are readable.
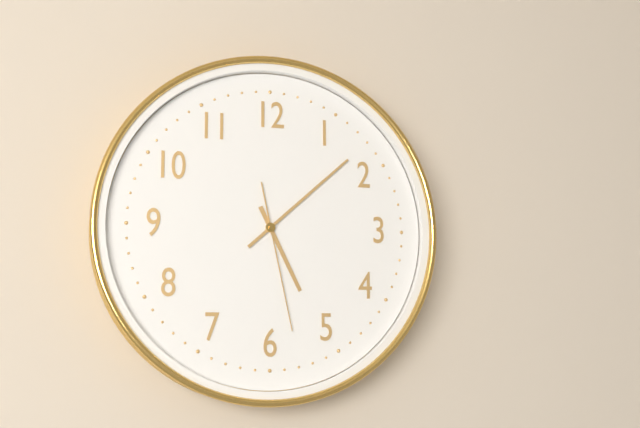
5:08:28
